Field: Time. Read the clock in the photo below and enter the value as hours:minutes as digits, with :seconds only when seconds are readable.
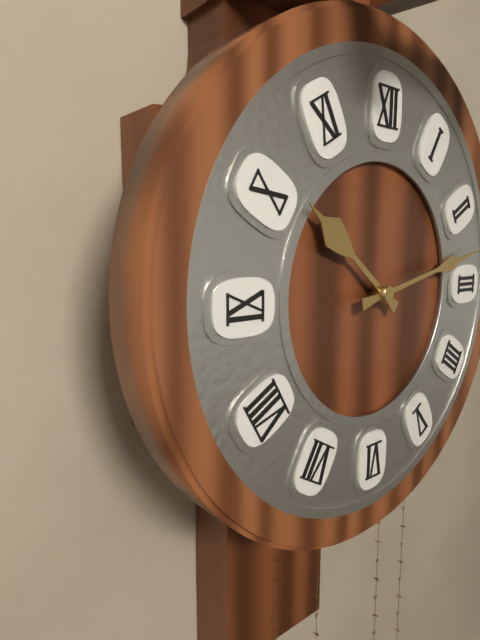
10:13
